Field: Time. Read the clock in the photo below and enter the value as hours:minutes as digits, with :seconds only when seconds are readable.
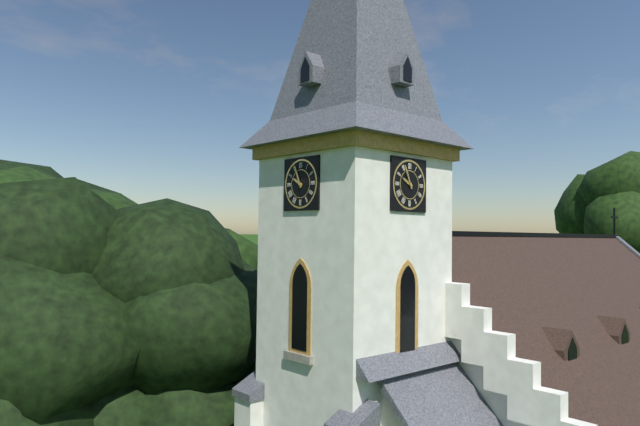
9:56
